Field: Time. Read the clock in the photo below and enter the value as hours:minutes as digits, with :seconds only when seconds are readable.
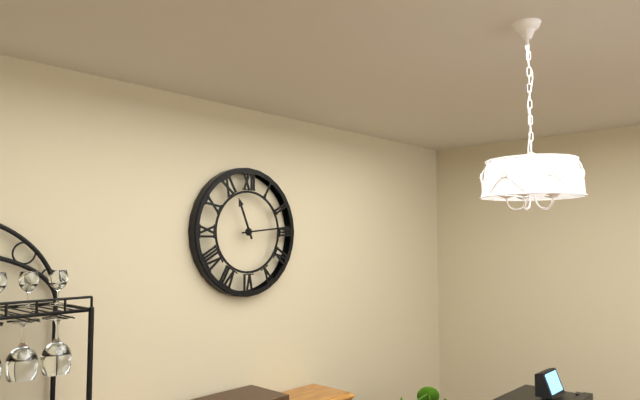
11:14
